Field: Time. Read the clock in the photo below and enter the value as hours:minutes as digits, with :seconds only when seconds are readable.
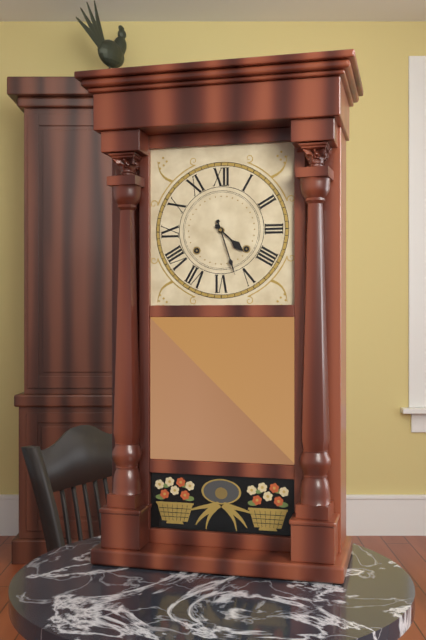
4:27
